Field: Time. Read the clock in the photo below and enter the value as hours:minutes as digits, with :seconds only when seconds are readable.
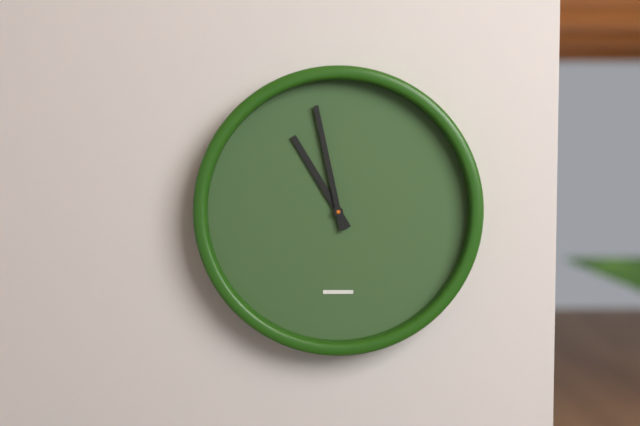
10:58
